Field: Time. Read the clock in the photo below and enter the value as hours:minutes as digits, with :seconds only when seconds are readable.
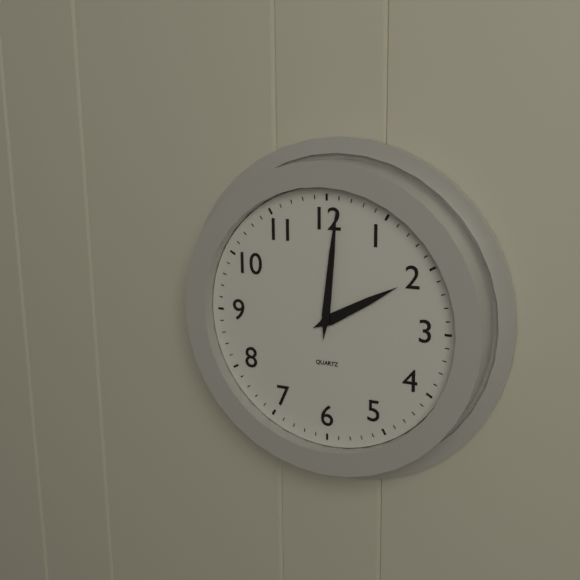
2:01
